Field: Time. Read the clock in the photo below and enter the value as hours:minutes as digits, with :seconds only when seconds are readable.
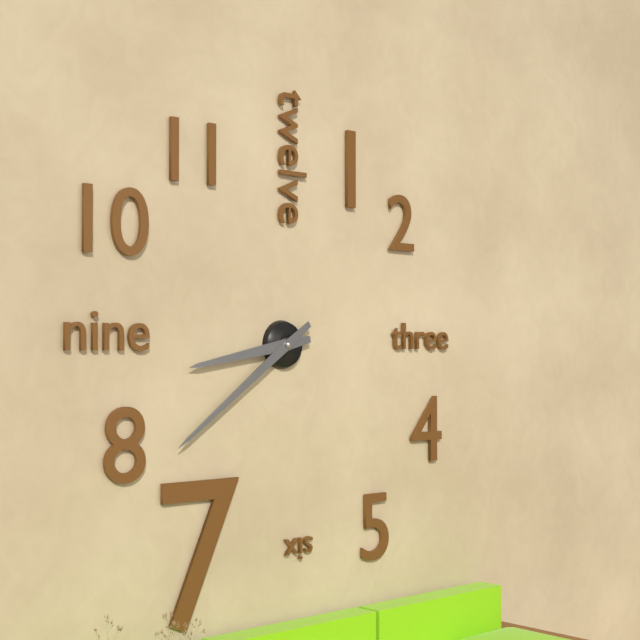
8:39
